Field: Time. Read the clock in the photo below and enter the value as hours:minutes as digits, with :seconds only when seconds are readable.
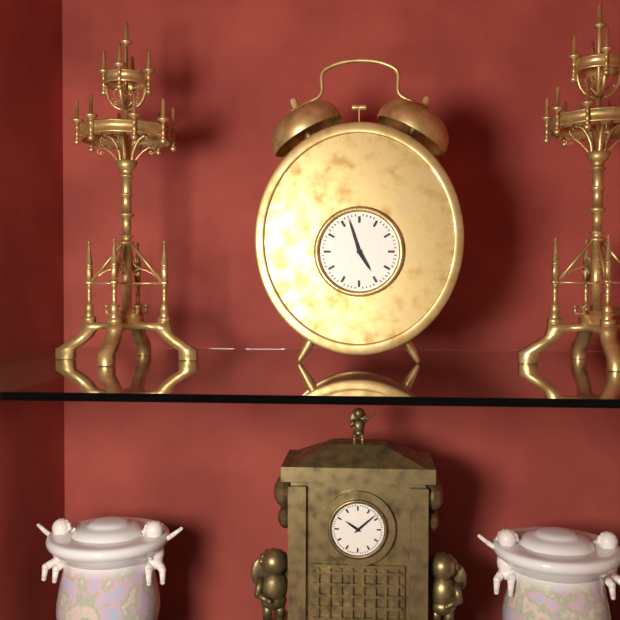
4:57
